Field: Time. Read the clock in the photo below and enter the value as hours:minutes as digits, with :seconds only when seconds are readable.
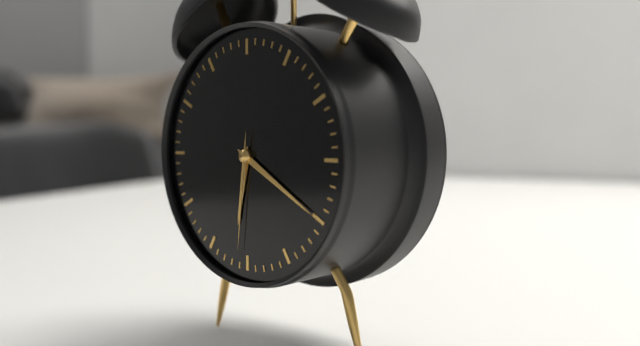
6:20:31
